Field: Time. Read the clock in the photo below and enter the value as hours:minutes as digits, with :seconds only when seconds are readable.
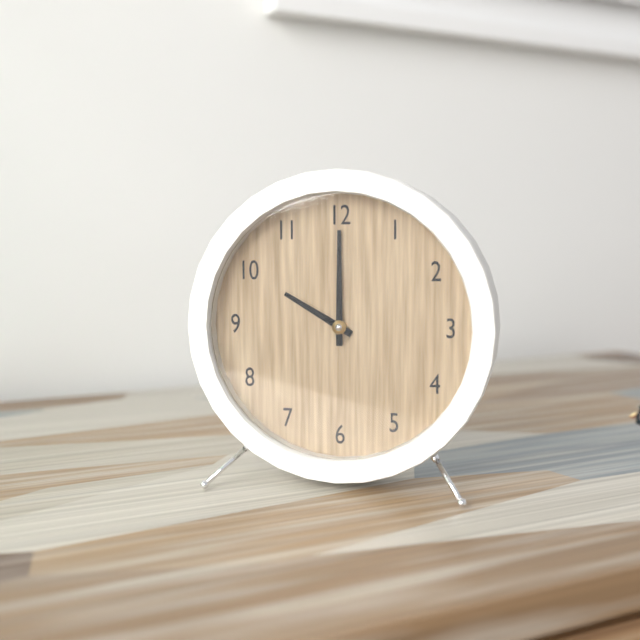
10:00
